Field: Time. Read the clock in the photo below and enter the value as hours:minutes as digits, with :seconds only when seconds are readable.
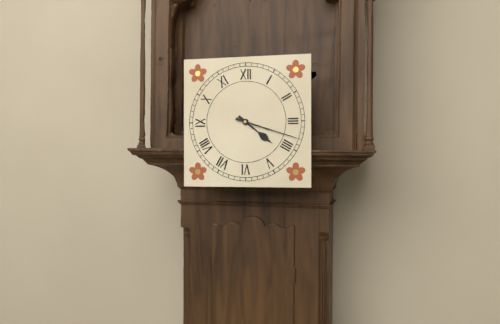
4:18
